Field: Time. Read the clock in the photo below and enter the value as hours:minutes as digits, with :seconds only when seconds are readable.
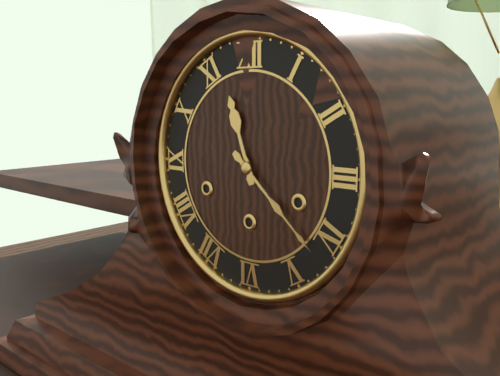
11:22
